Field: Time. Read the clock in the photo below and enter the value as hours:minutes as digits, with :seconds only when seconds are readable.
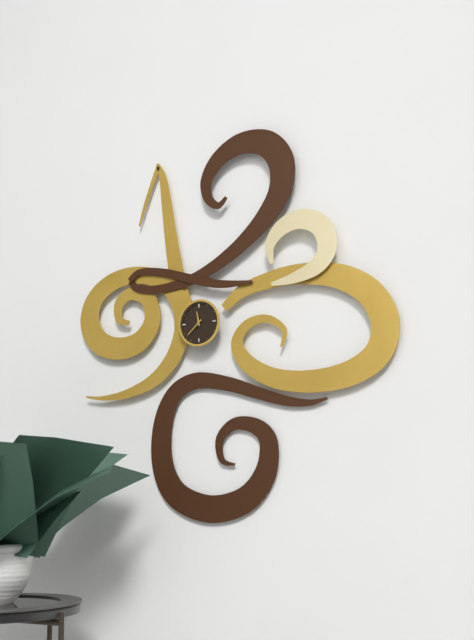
11:38
